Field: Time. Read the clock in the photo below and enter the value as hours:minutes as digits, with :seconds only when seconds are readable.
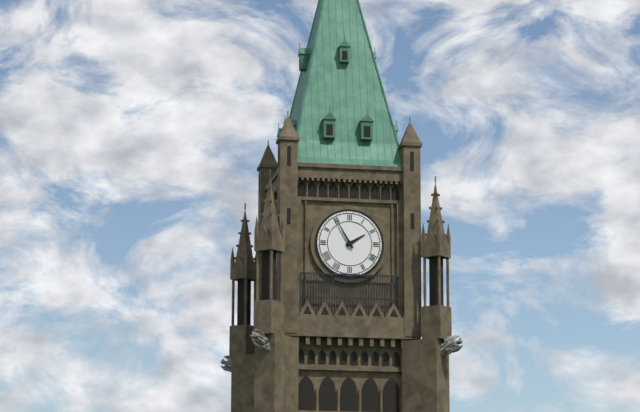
1:55
